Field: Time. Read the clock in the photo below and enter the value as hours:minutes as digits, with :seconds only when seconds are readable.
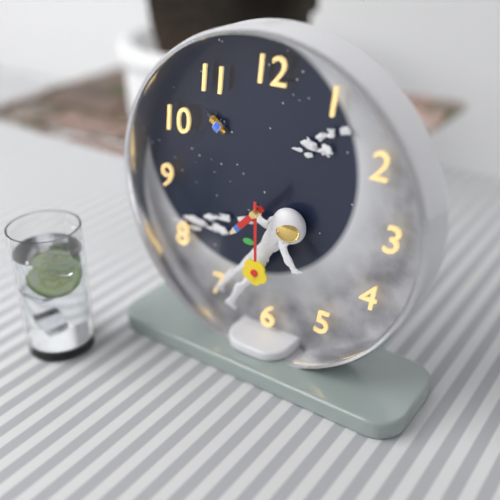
7:30
